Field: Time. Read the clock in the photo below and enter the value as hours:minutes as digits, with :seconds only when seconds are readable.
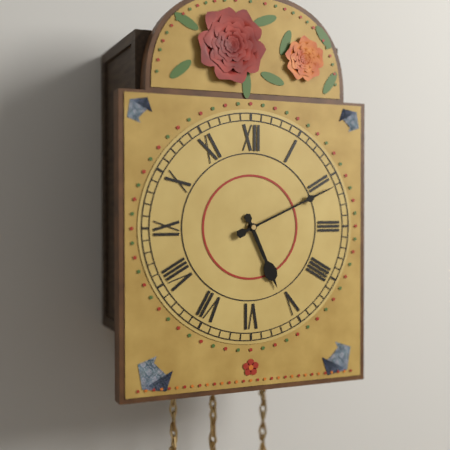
5:11
